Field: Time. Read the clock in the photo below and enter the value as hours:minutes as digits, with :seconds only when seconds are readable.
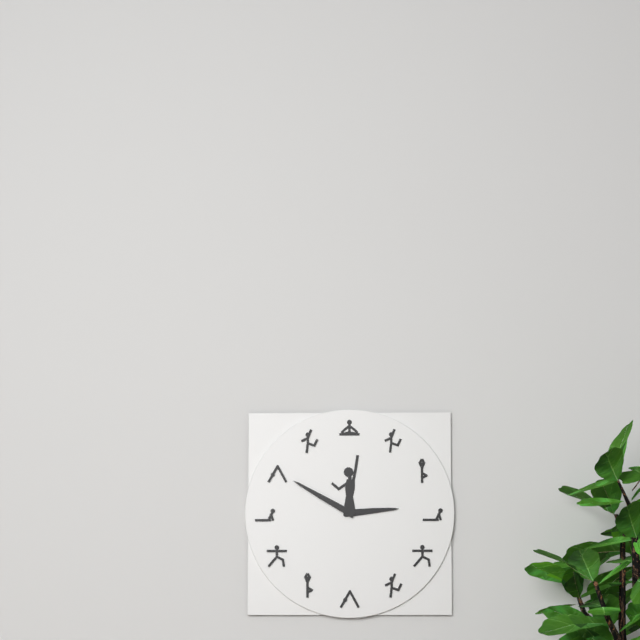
2:50
